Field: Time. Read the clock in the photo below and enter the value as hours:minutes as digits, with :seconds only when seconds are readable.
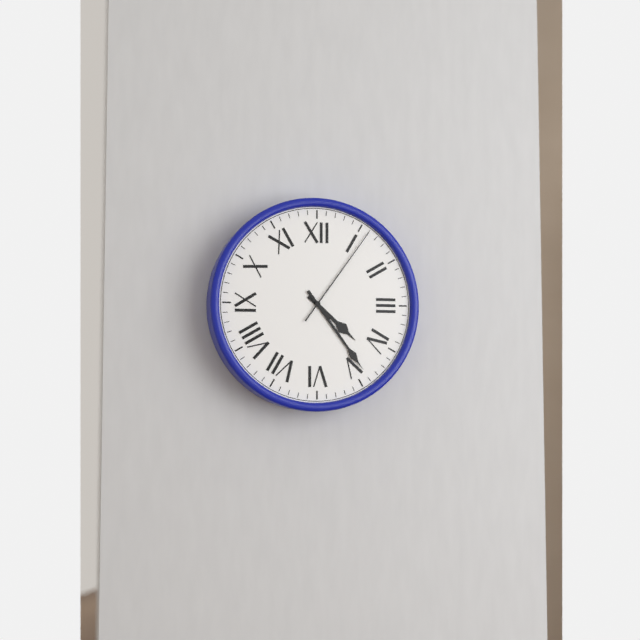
4:24:06
